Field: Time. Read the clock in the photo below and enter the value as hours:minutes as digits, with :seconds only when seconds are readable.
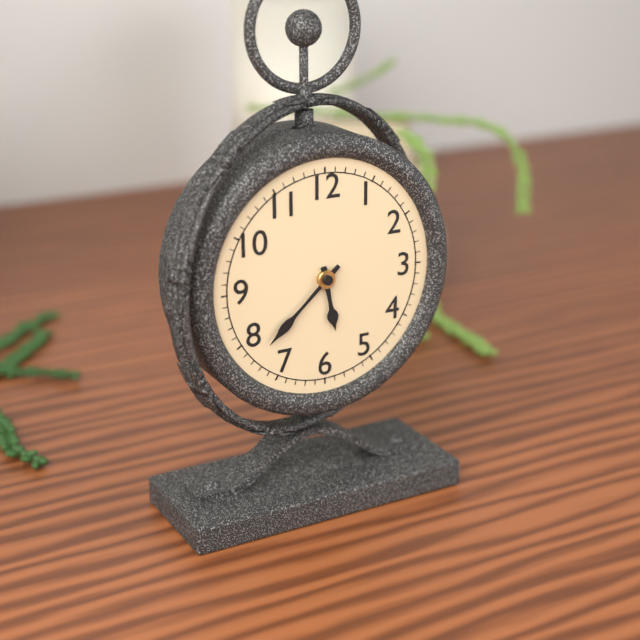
5:38
